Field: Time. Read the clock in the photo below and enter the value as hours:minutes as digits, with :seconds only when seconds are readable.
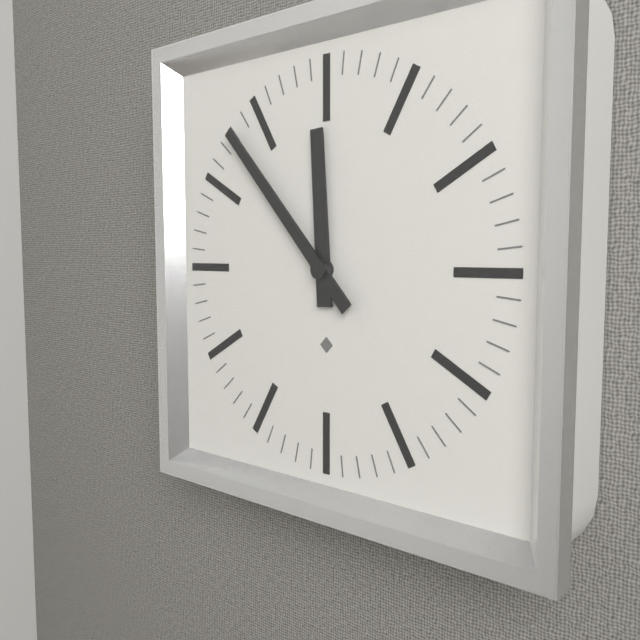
11:53
